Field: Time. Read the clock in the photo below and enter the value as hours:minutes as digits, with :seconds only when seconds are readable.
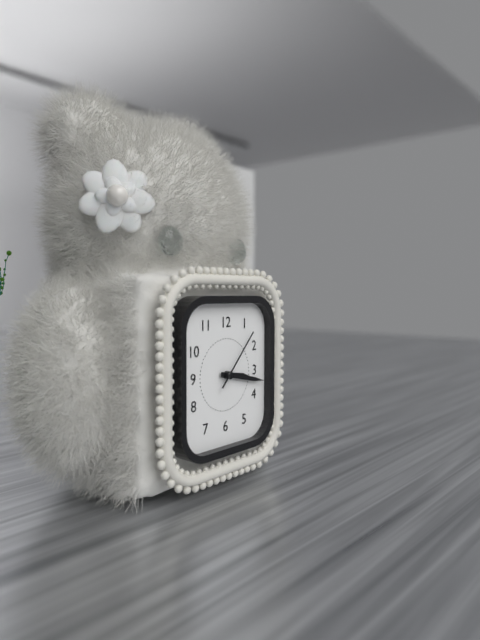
3:17:07
